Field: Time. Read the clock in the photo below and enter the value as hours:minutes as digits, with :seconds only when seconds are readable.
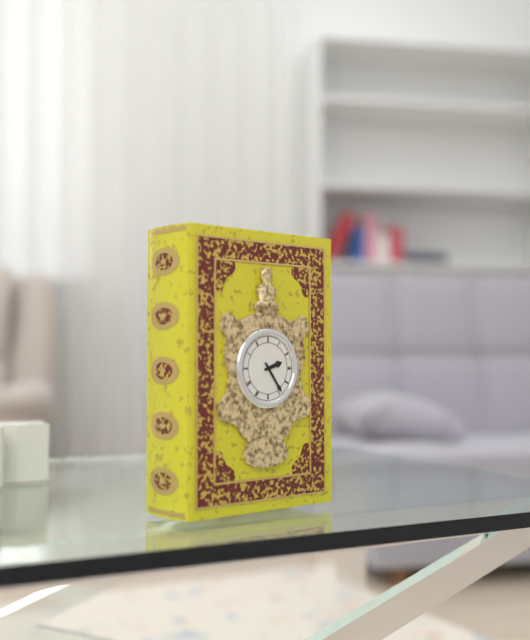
2:24
